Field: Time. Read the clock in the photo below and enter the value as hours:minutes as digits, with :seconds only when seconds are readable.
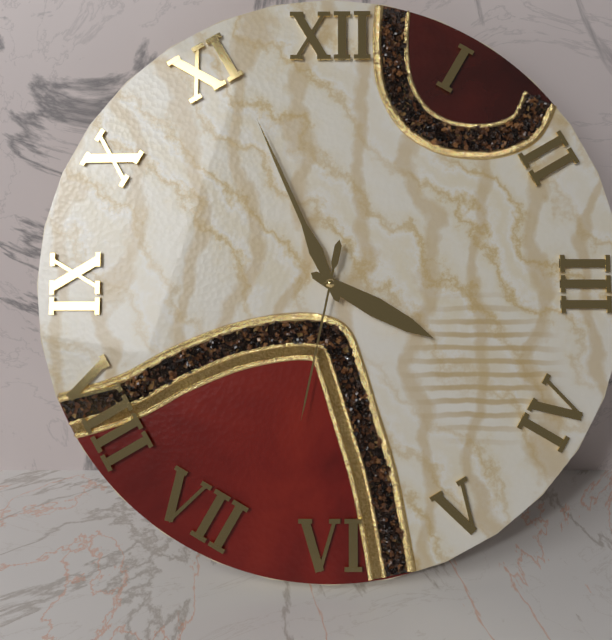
3:56:32
